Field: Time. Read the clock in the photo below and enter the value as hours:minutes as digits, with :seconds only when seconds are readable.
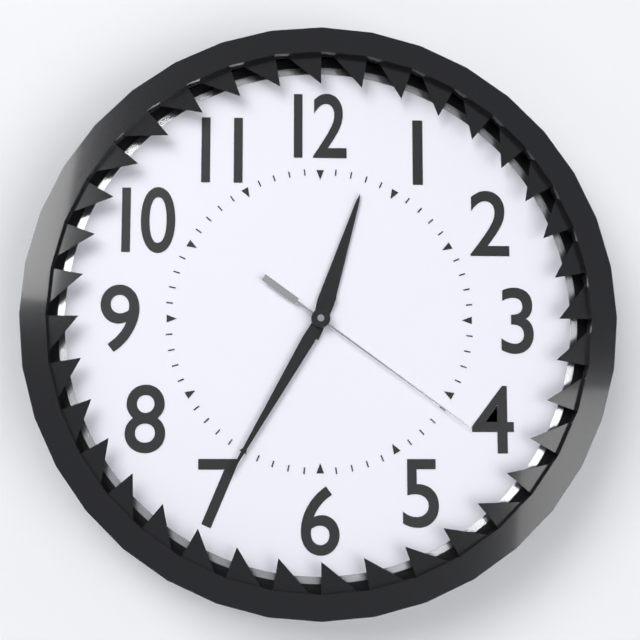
12:35:21
